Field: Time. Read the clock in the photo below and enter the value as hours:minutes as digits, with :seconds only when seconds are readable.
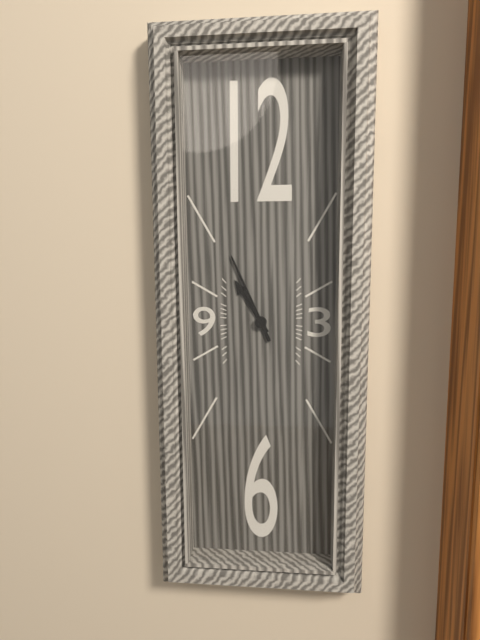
10:56
